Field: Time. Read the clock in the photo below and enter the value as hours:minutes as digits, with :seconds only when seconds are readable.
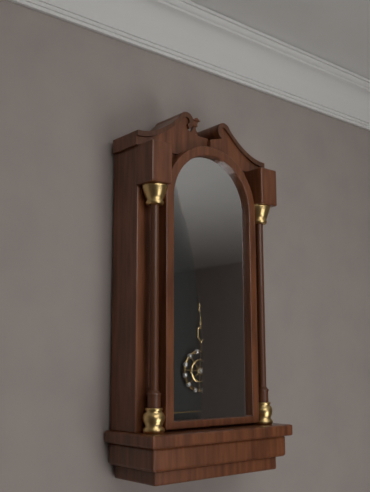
8:05
